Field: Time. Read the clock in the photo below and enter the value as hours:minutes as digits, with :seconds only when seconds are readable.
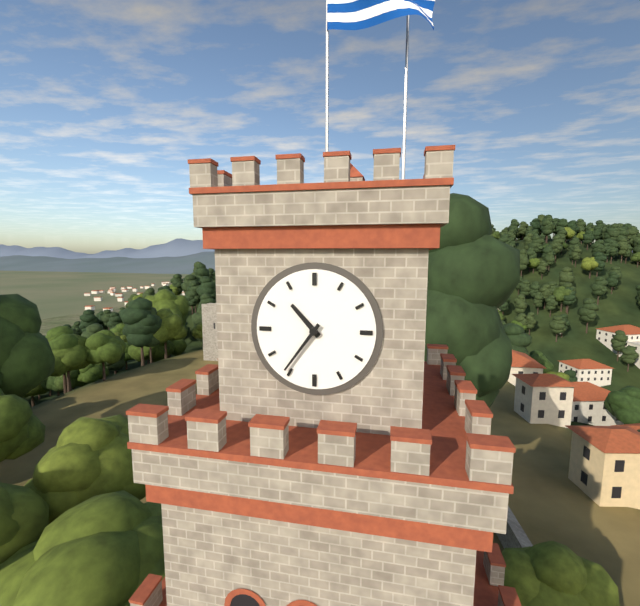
10:36
